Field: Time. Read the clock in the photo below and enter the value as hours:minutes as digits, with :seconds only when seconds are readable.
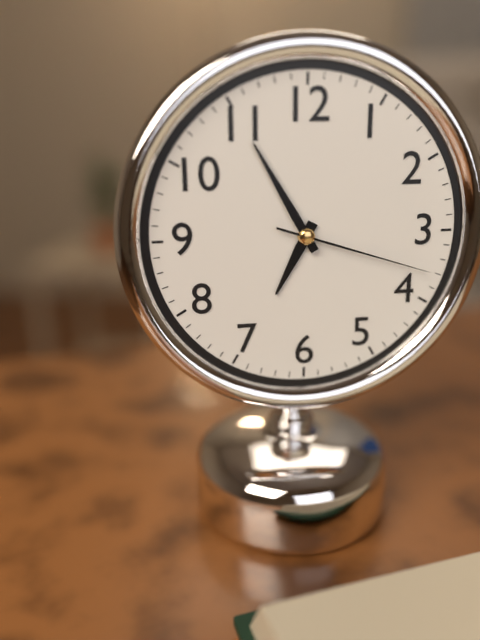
6:55:18
